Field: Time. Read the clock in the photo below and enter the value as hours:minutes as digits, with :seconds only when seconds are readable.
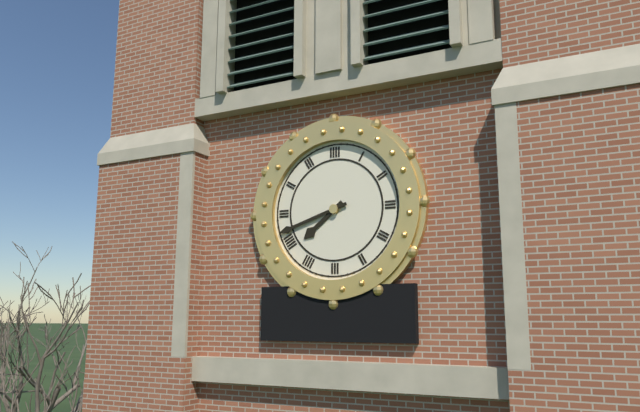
7:42
